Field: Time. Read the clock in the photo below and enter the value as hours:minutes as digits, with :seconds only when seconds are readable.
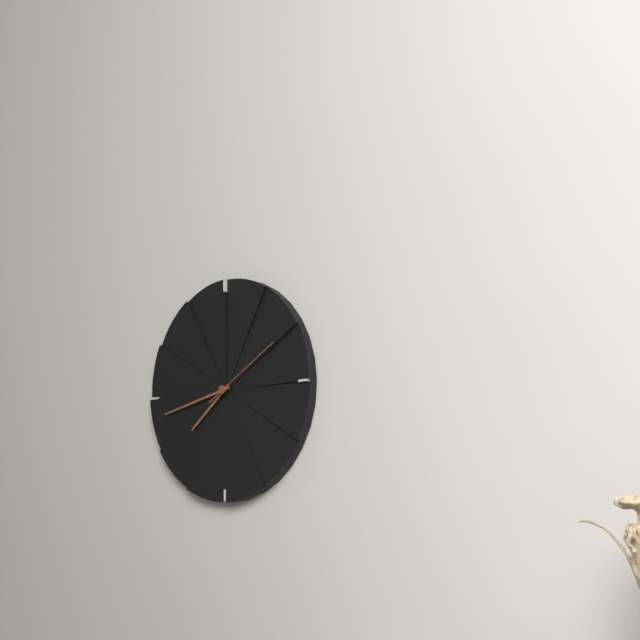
7:43:10
